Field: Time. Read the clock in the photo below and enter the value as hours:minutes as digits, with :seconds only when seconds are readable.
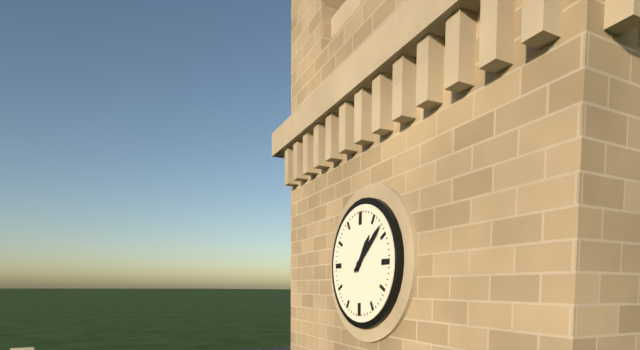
1:08
